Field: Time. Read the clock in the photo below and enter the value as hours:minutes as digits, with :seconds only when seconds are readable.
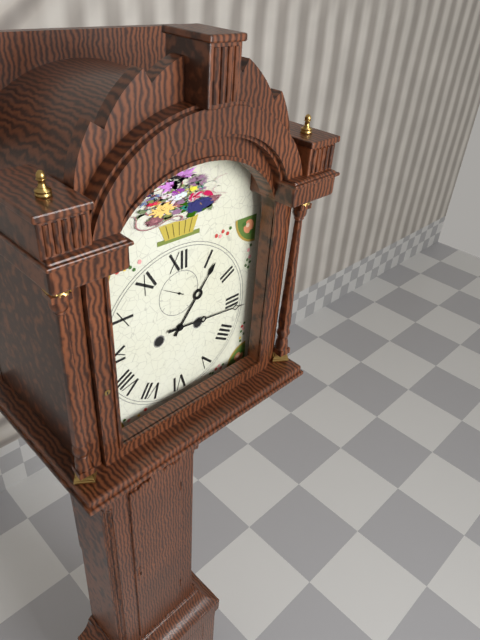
1:16
